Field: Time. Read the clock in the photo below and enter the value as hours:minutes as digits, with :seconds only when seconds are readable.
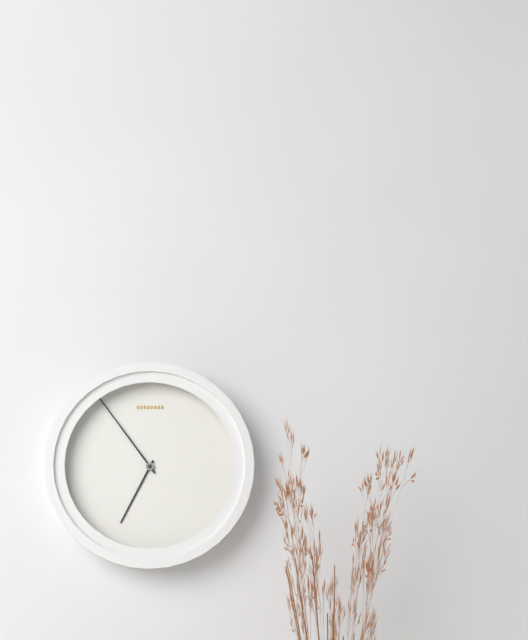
6:54
